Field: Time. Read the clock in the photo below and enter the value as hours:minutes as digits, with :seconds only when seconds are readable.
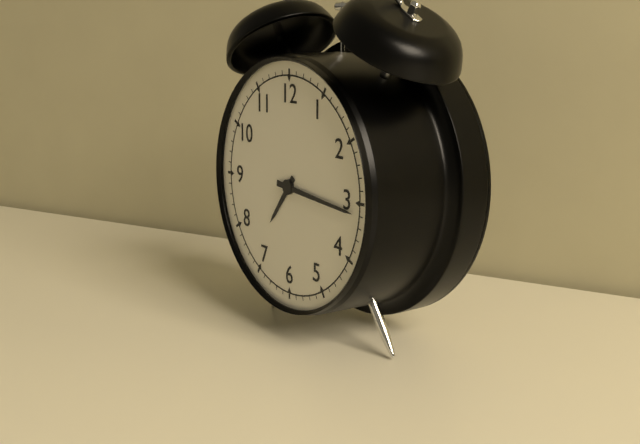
7:16
